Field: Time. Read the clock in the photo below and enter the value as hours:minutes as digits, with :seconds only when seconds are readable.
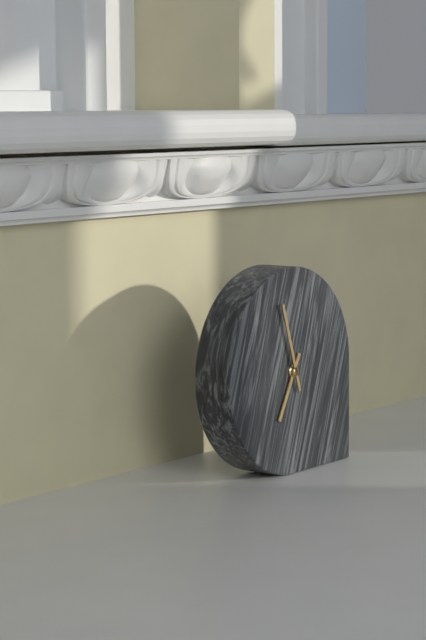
6:57
